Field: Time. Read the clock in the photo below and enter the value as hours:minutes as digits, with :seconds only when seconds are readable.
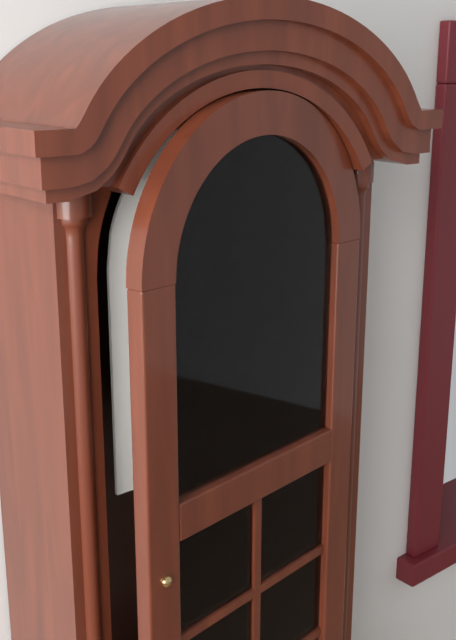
4:47
